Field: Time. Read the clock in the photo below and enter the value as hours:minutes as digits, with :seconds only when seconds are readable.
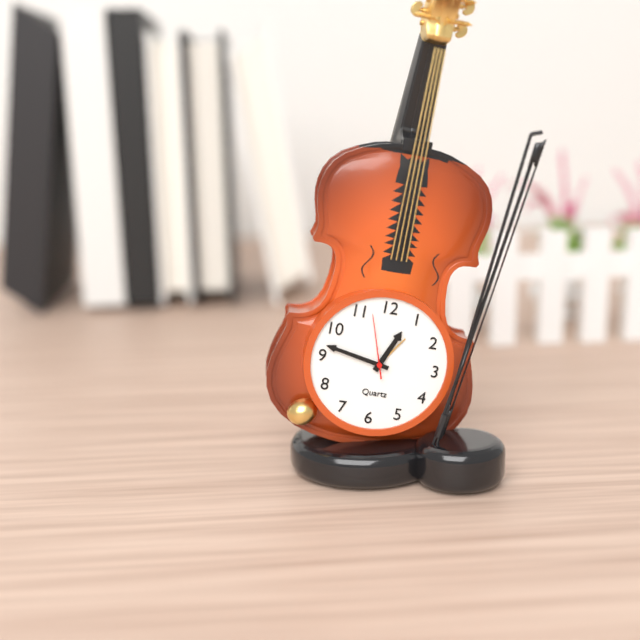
12:47:57
